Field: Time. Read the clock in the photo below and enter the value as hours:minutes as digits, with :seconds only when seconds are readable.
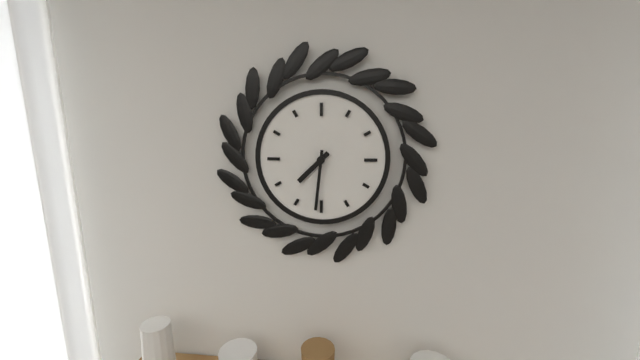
7:31
